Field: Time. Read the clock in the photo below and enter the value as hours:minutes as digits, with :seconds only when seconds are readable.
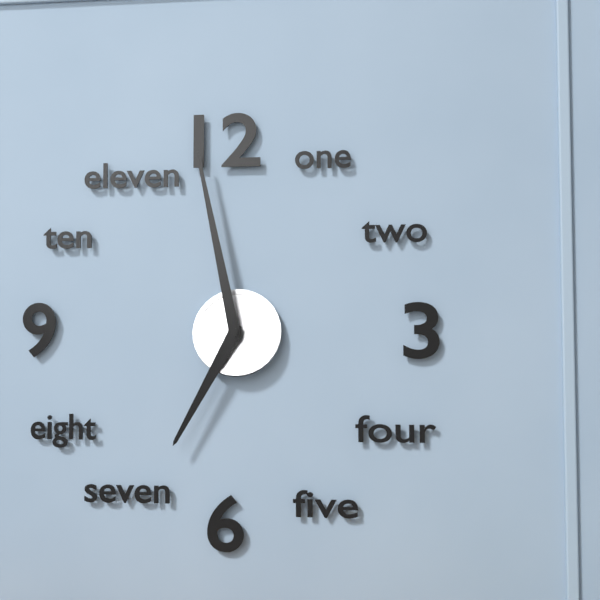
6:58
